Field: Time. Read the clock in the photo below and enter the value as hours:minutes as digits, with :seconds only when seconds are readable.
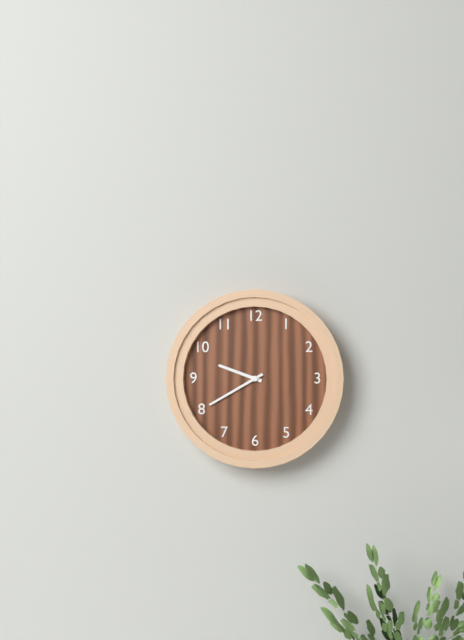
9:40
